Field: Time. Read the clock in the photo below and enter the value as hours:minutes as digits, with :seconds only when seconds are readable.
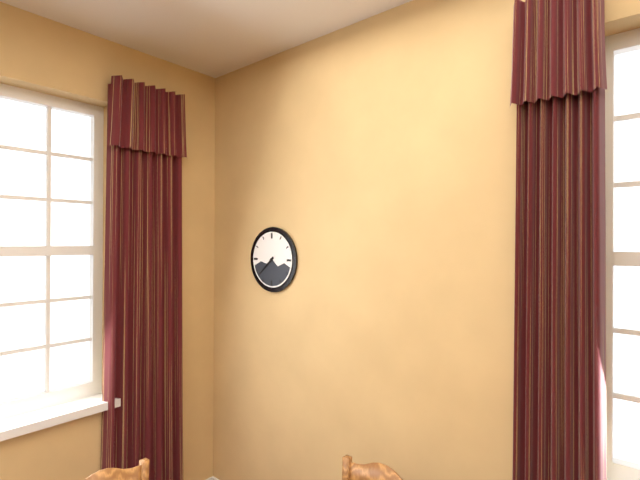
7:38
